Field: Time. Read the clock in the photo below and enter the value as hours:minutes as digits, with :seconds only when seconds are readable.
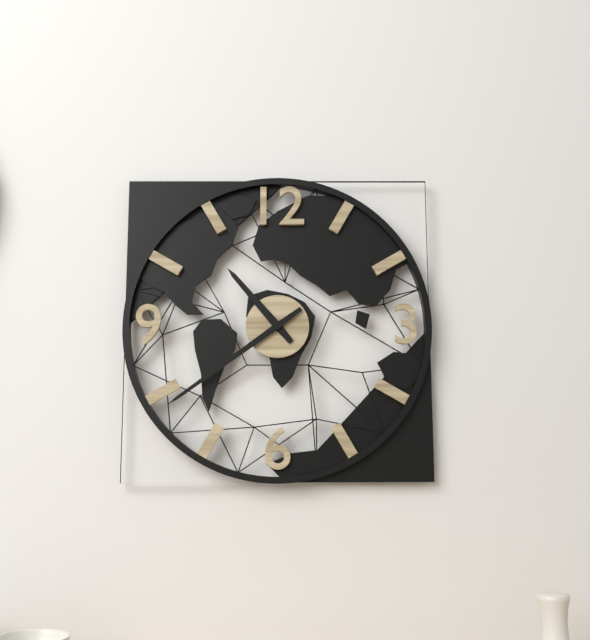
10:39
